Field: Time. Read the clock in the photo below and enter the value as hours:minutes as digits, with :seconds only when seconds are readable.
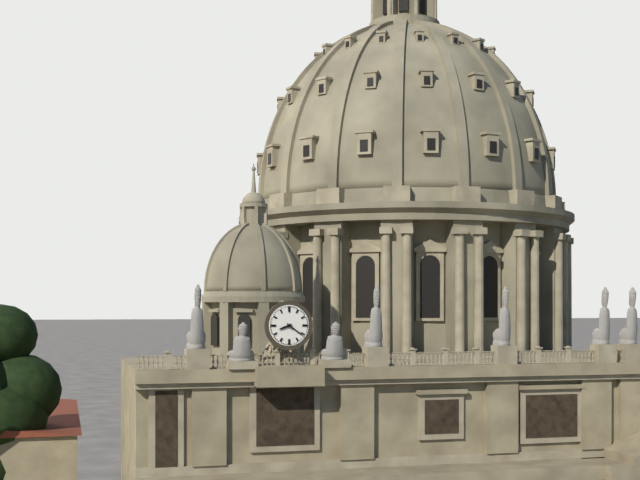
8:21
